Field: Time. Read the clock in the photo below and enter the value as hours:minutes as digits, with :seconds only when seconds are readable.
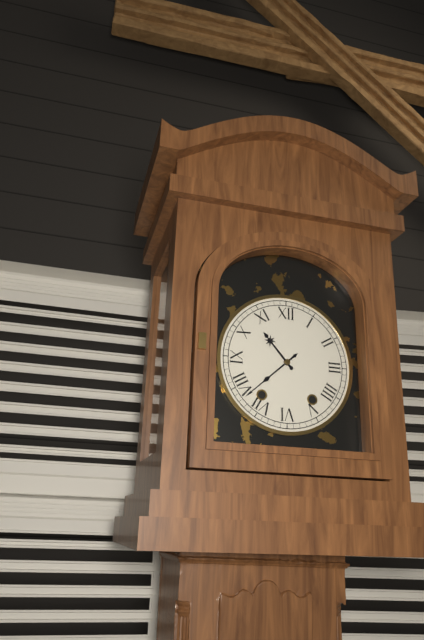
10:38
